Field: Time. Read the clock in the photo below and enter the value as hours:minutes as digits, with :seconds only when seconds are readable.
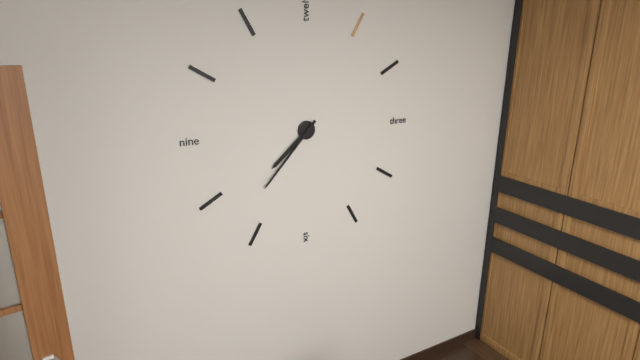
7:37
